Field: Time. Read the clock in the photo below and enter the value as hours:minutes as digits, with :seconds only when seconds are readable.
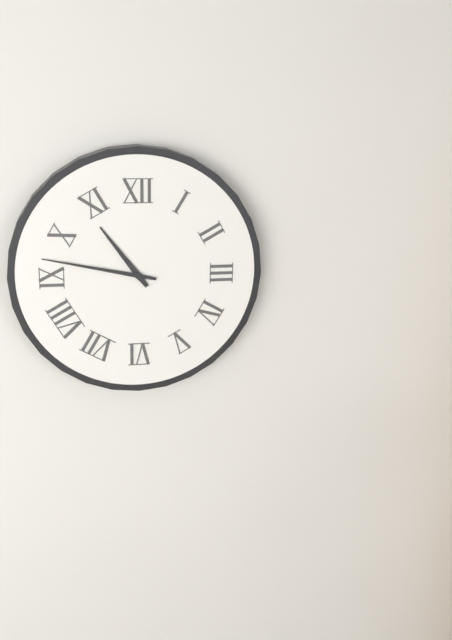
10:47
